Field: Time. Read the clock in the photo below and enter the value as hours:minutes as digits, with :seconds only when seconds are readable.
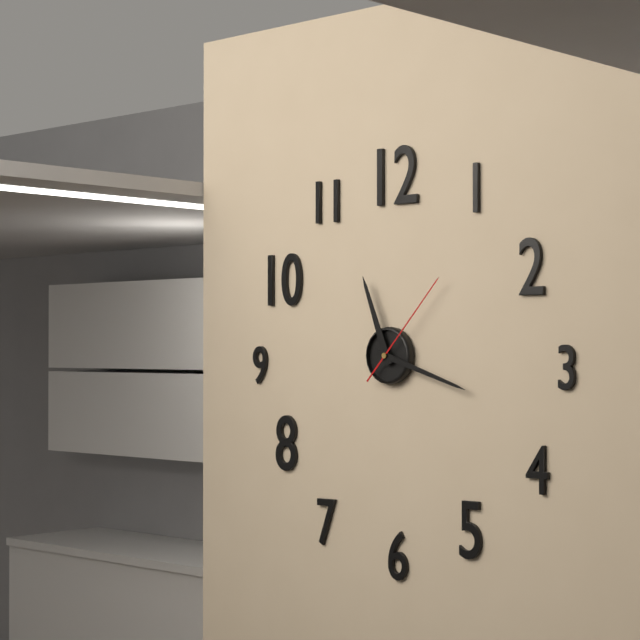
11:18:07
